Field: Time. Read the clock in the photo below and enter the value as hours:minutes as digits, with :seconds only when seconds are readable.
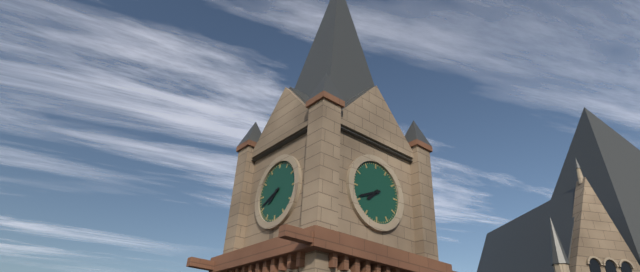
7:41
